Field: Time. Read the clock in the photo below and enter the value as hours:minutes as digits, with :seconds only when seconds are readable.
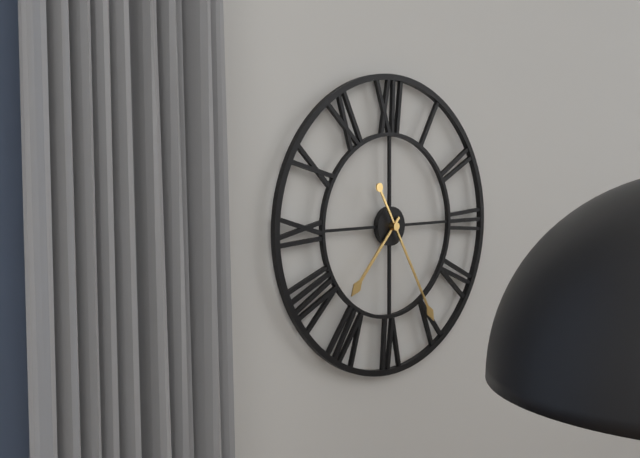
7:25
